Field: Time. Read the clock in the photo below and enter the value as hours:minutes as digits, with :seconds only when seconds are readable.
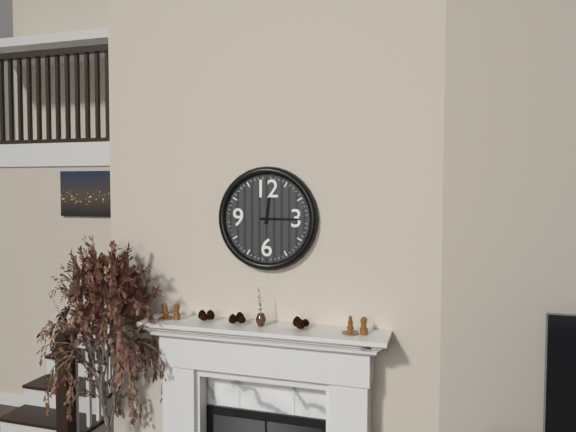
12:15
